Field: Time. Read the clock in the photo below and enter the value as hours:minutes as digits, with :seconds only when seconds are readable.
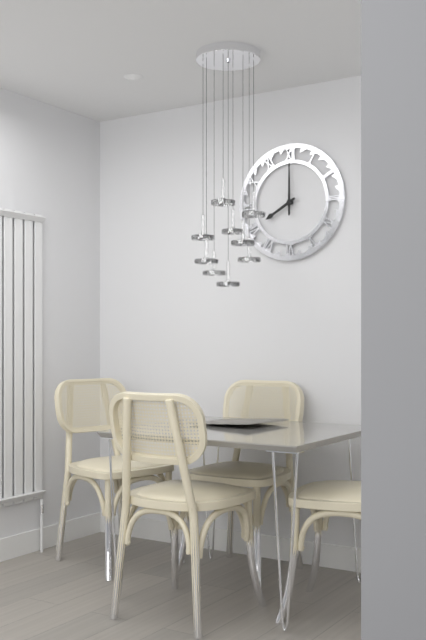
8:00
